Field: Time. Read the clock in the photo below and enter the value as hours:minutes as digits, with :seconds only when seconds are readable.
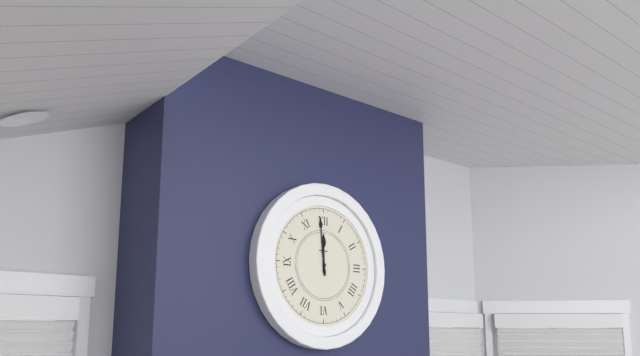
11:59
